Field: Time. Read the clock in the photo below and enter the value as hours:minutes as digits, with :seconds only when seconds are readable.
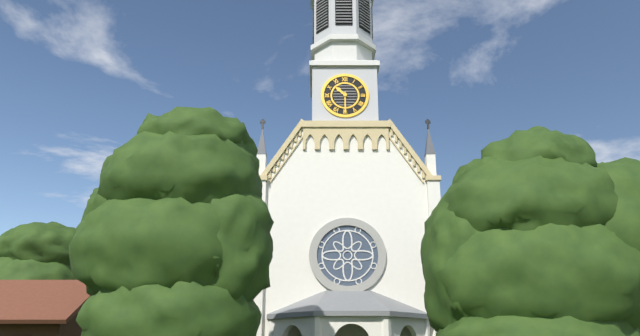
10:30
